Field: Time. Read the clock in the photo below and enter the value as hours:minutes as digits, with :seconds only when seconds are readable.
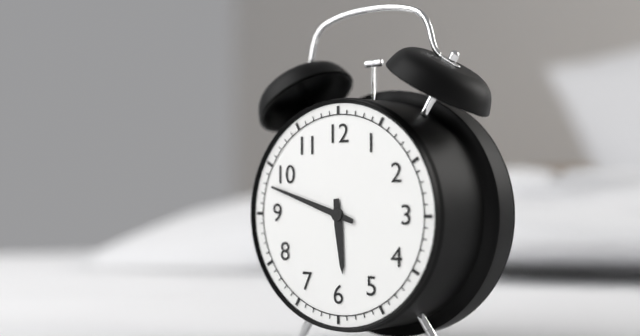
5:48
